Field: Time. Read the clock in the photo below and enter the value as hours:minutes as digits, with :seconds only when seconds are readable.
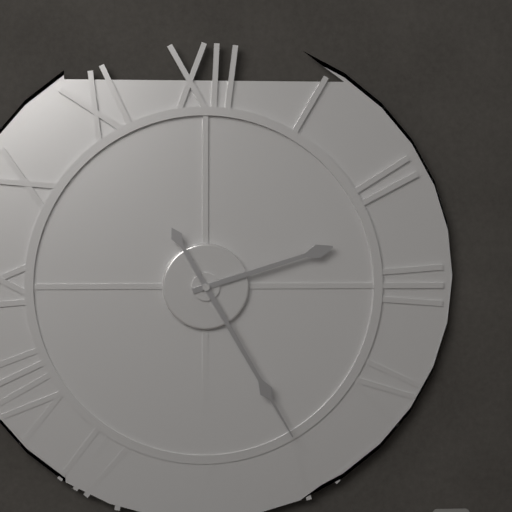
2:25
